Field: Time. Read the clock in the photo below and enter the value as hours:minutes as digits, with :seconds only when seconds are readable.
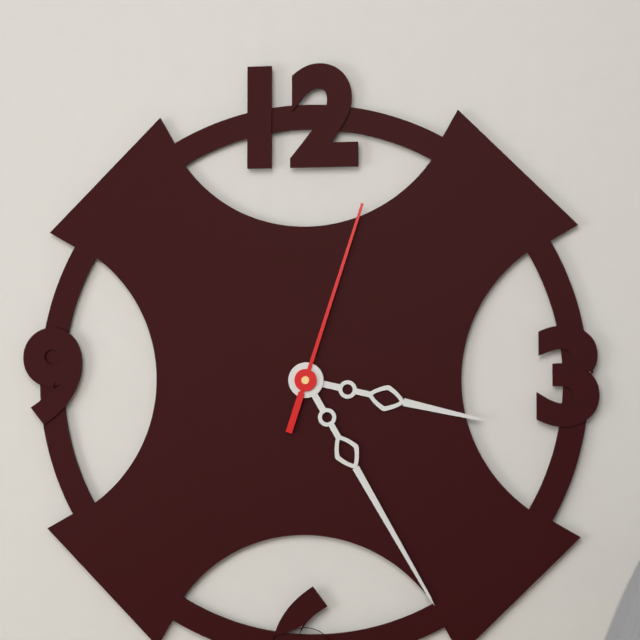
3:25:03
